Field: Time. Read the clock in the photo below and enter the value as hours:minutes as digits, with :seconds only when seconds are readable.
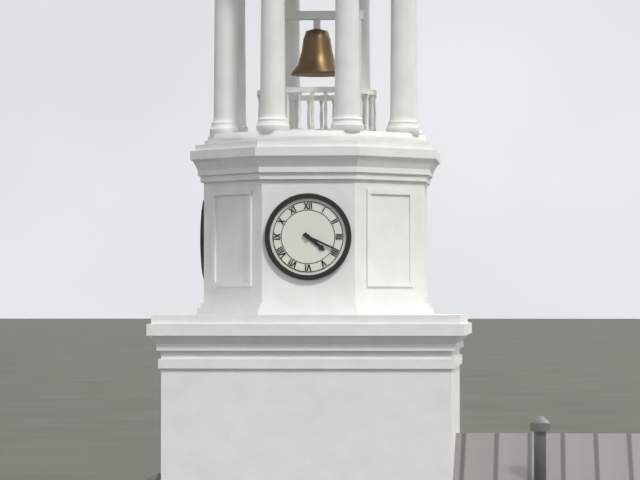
4:19
